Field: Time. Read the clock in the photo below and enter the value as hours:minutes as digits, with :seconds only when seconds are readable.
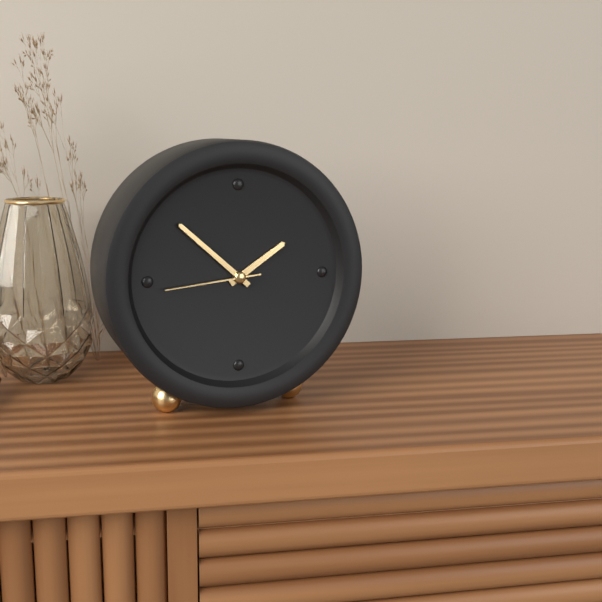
1:52:44
